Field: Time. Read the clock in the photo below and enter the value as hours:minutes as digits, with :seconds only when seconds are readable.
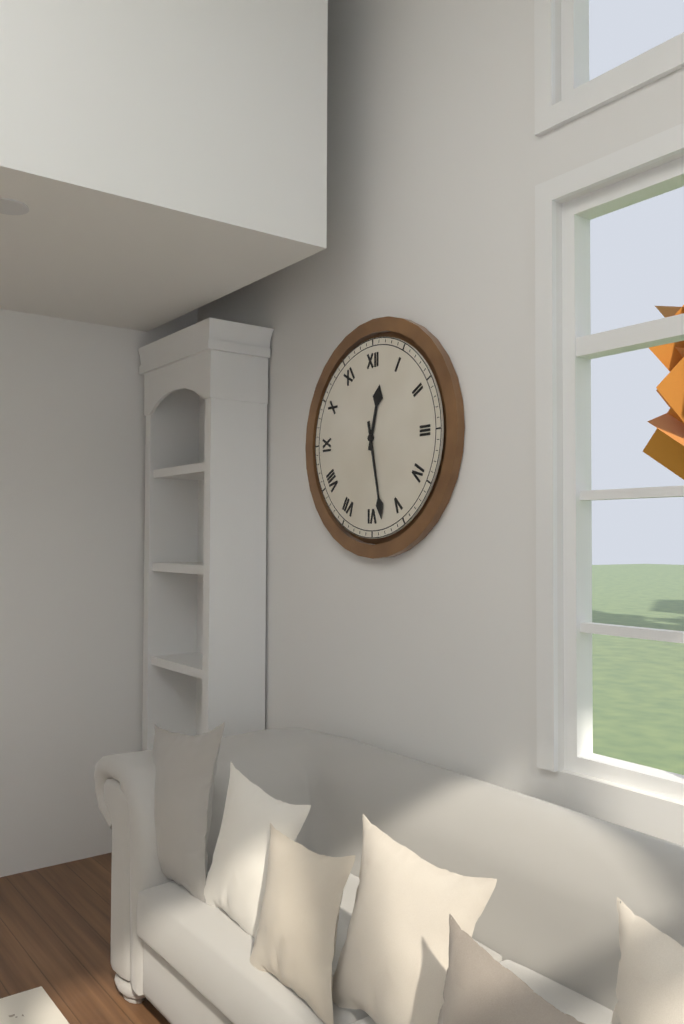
12:28
